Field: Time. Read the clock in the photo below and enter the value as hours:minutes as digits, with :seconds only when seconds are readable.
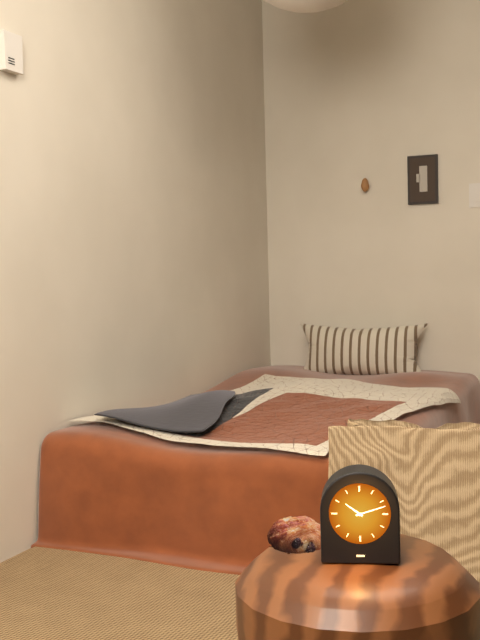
10:12
